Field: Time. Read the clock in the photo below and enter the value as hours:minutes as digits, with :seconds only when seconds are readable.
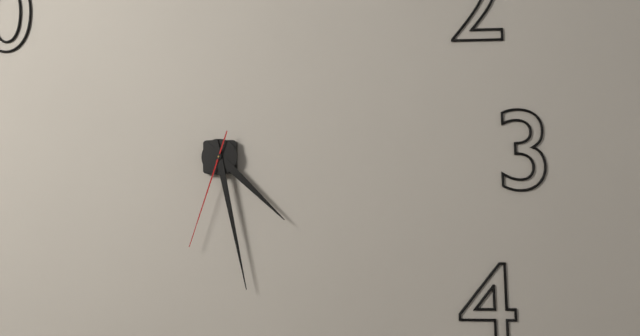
4:28:33
